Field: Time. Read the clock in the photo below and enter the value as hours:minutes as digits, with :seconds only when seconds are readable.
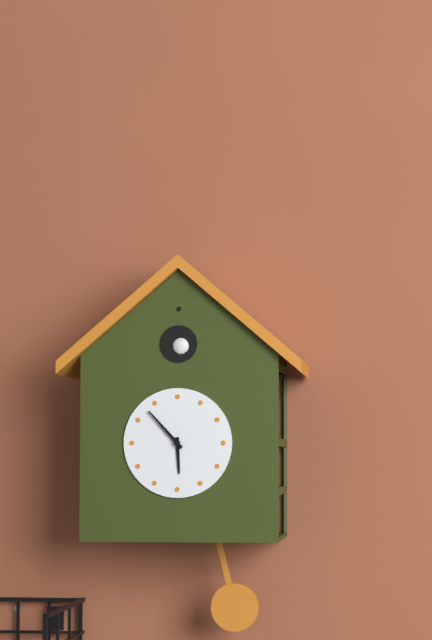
5:53
